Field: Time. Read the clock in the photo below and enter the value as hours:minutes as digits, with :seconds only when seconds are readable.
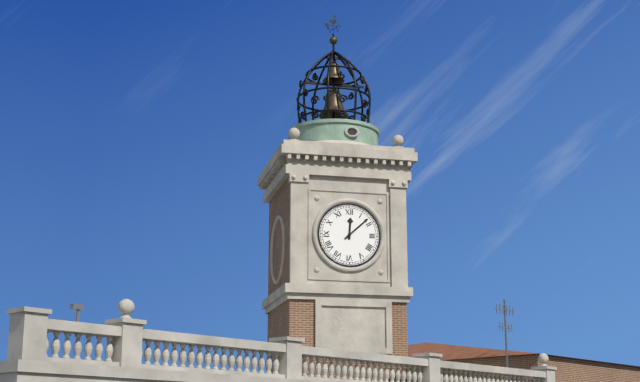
12:08
